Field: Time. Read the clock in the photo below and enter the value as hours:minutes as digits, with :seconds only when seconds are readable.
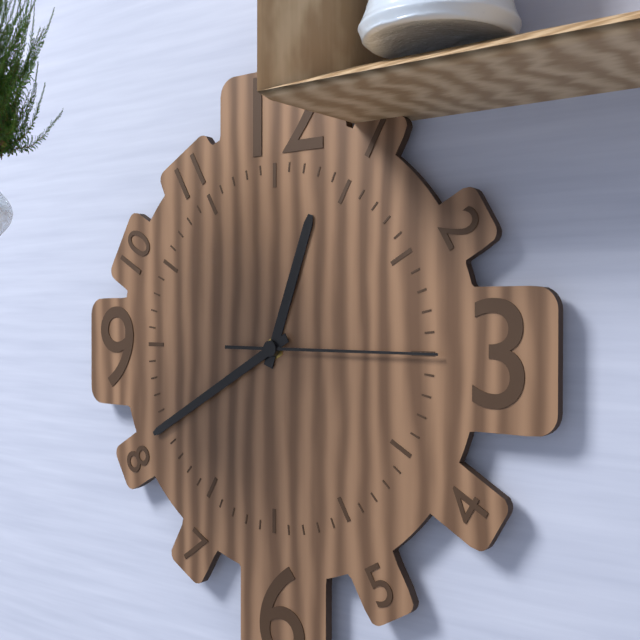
12:40:15
